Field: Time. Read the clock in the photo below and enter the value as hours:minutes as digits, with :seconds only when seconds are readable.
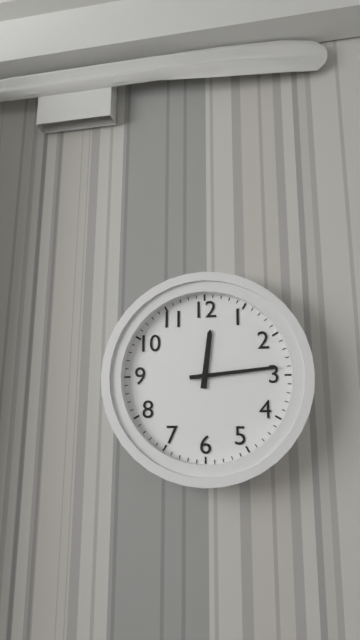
12:14
